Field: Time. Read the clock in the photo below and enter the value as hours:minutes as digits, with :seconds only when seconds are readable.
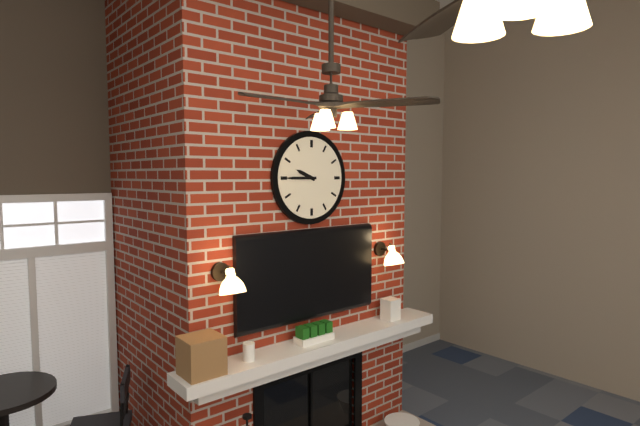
9:45
